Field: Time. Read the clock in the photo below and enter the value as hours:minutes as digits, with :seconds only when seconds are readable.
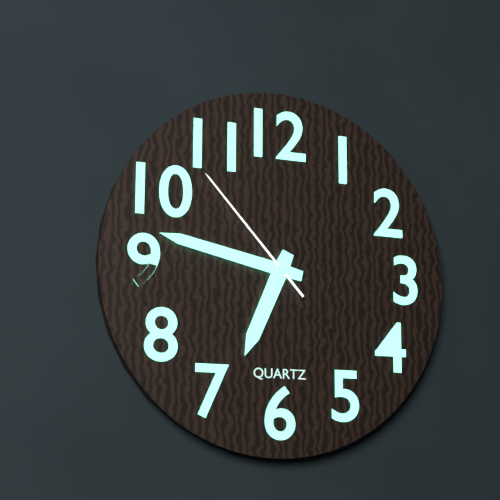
6:47:53
